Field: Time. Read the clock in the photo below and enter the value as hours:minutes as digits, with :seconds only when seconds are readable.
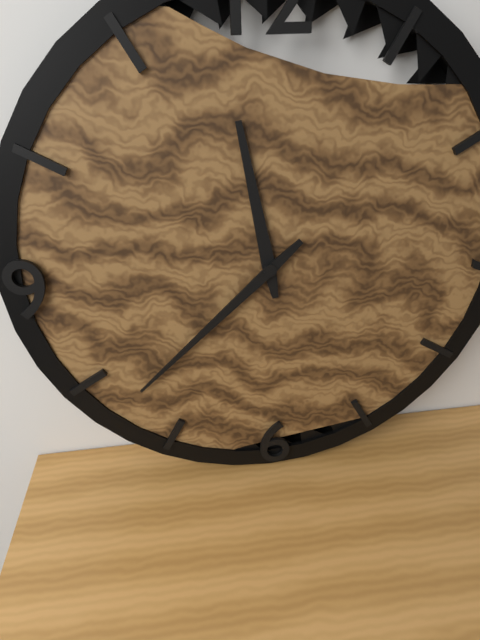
11:38
